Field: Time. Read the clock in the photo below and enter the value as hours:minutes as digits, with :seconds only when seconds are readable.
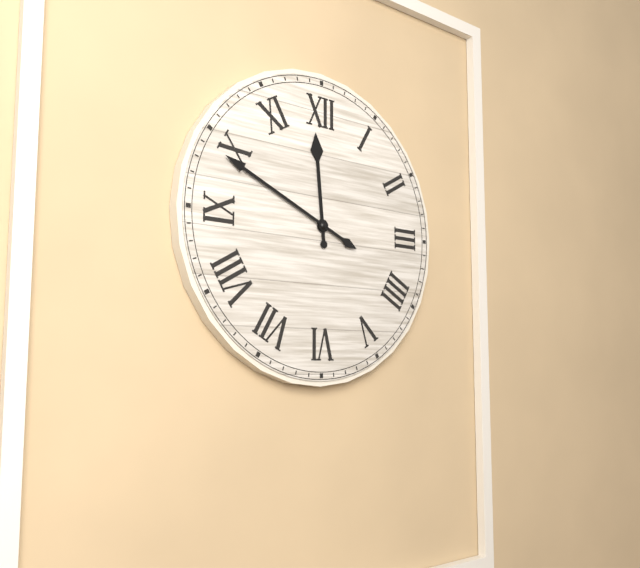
11:49
